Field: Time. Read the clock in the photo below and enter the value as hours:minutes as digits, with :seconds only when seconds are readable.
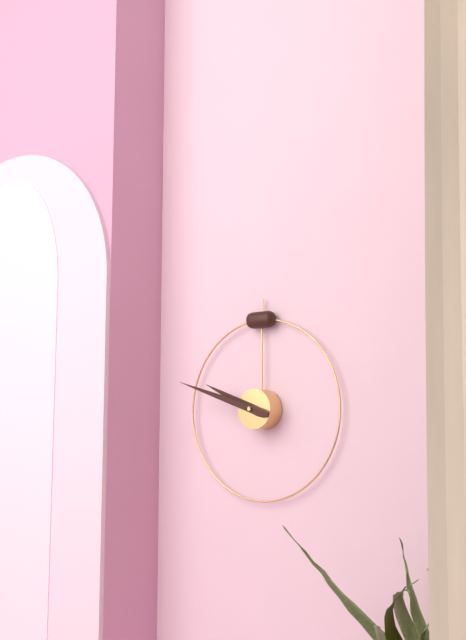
9:48
